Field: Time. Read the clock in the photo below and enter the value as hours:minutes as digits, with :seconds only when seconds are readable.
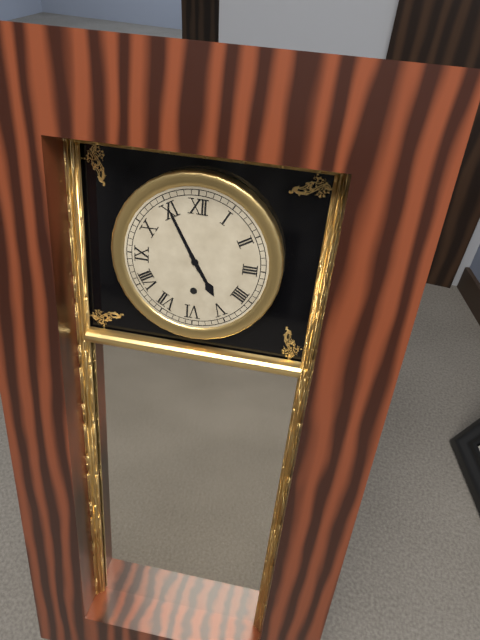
4:55
